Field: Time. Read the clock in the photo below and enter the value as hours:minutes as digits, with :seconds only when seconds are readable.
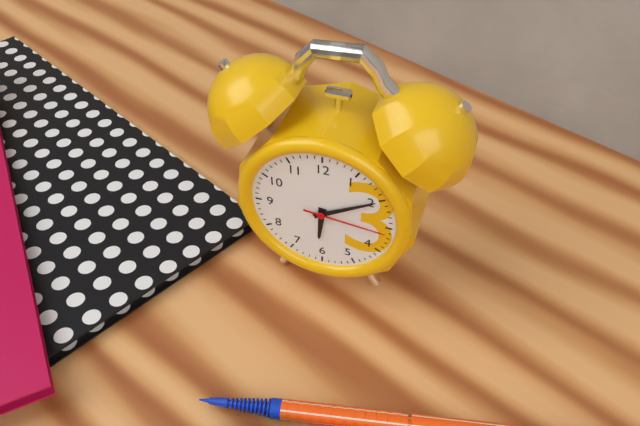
6:10:16
